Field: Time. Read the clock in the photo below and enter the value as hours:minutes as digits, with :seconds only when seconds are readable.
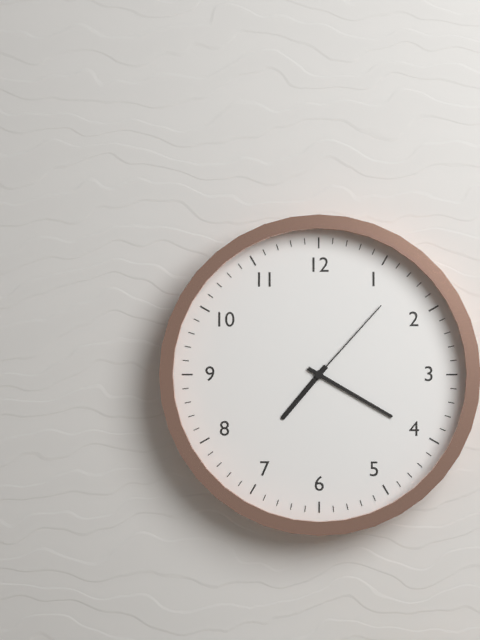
7:20:07
